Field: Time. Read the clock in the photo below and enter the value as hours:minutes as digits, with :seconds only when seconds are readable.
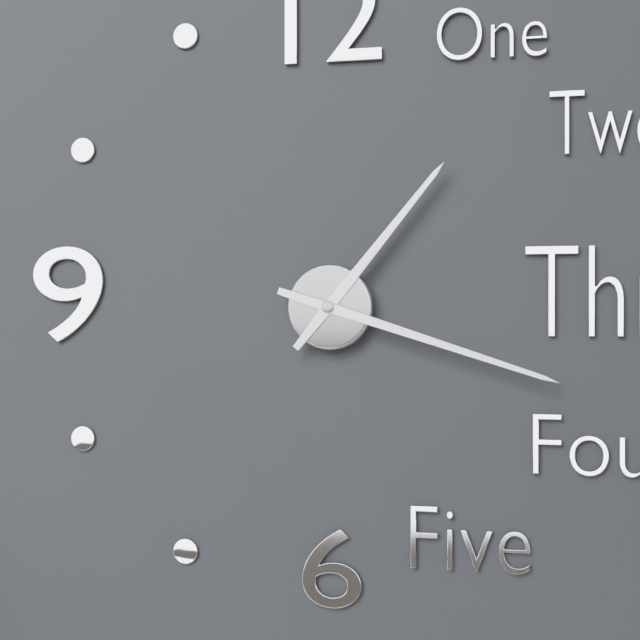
1:18
